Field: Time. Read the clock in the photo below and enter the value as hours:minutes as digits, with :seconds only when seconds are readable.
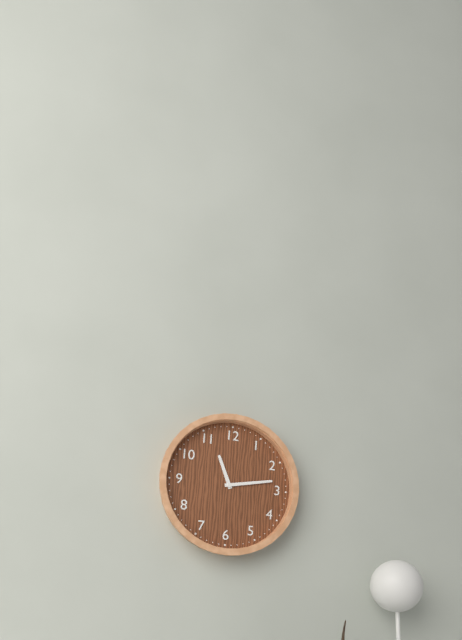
11:13
